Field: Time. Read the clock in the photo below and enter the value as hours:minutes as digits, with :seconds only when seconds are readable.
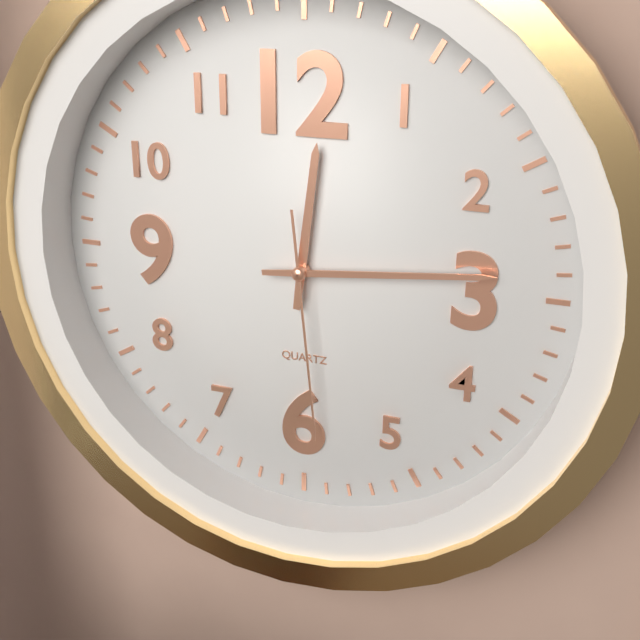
12:14:29
